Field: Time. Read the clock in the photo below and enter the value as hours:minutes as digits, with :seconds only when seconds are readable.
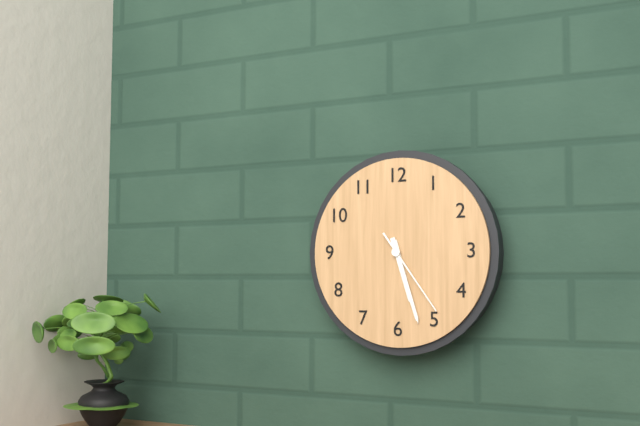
5:27:24
